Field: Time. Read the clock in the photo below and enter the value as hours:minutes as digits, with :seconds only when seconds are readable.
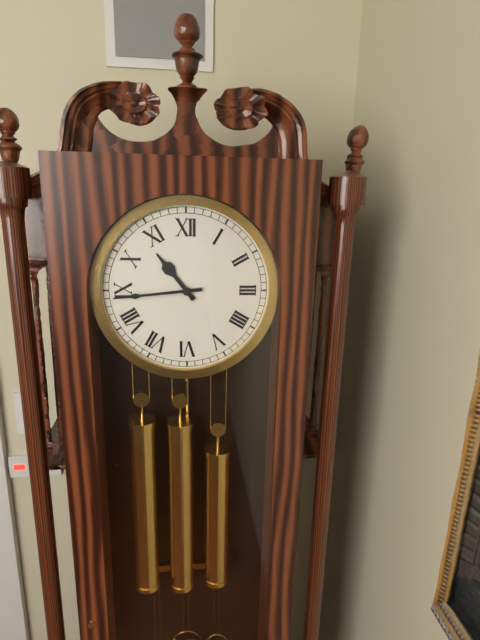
10:44
